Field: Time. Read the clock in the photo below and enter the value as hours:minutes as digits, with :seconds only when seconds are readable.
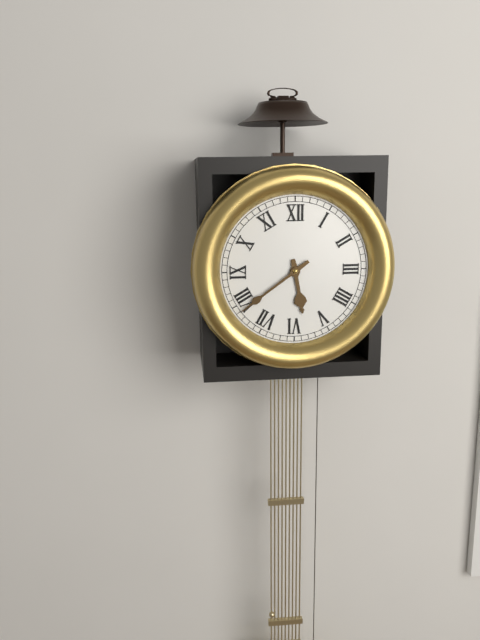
5:39
